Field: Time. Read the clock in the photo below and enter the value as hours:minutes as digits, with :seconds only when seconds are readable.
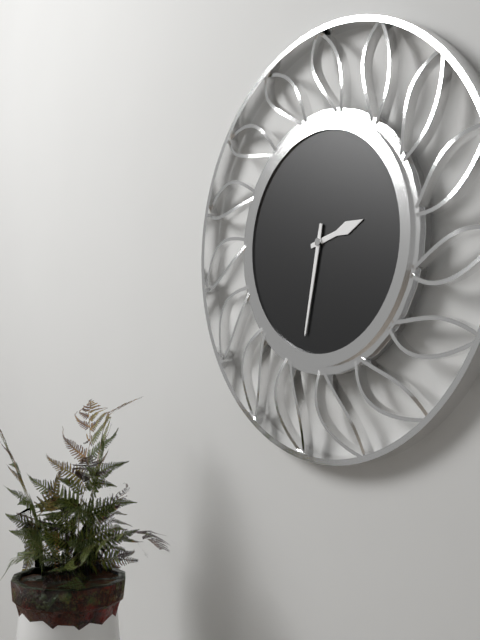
2:32
